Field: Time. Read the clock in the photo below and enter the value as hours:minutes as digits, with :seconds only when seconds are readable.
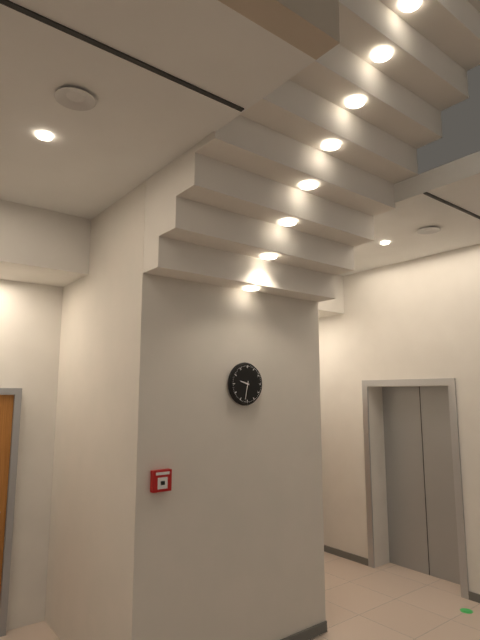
9:32
